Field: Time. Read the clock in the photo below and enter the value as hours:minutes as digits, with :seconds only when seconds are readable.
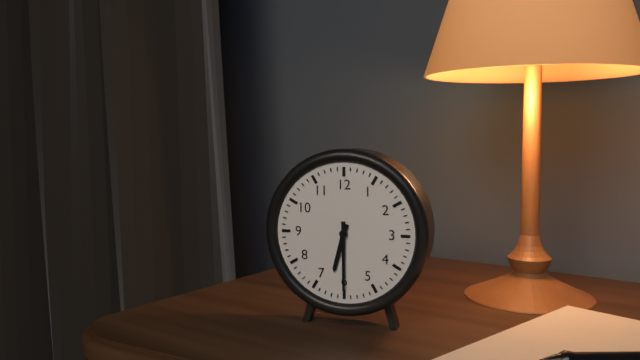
6:30
